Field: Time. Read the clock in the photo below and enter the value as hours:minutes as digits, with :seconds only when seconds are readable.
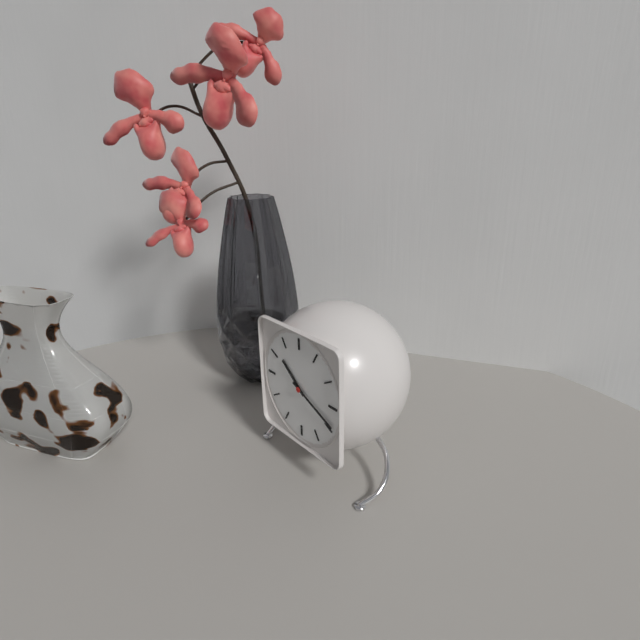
10:19
